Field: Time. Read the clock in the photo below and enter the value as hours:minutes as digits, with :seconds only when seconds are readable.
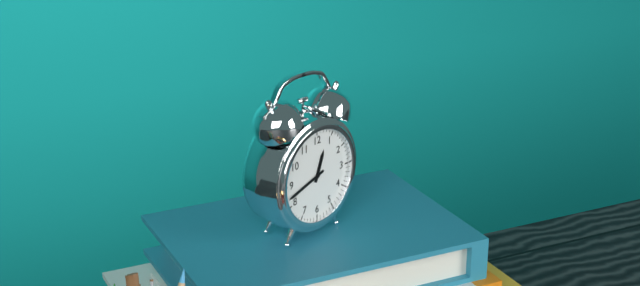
12:42
